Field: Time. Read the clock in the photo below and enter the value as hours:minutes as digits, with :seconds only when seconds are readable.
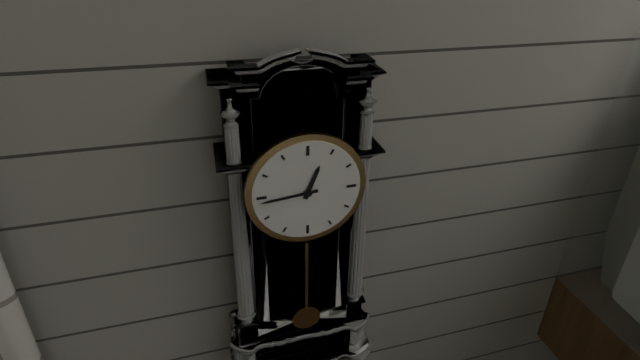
12:44
